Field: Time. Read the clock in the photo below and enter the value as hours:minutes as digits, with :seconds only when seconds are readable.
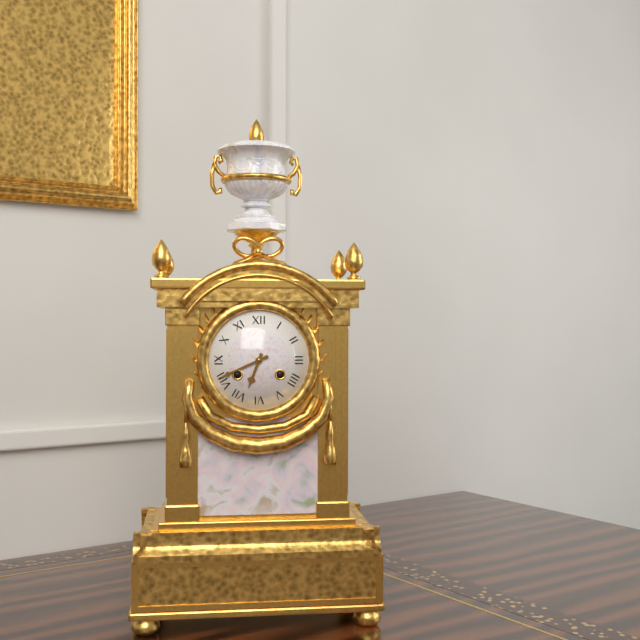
6:41
